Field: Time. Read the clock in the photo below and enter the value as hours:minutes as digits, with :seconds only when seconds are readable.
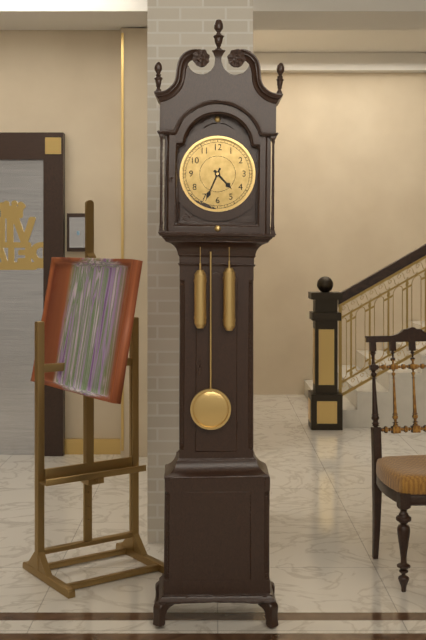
4:34
